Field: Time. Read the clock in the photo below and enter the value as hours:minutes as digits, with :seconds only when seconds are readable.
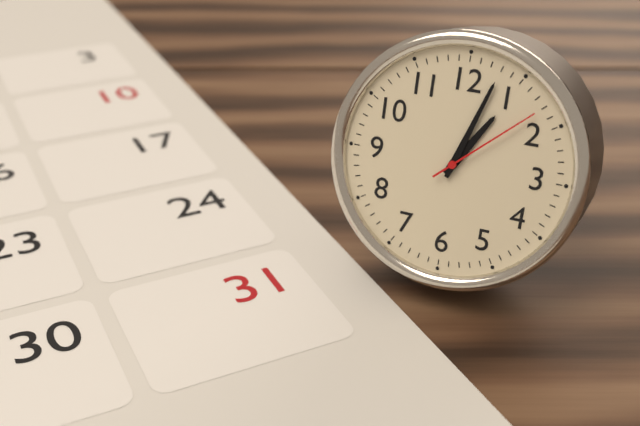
1:03:08
